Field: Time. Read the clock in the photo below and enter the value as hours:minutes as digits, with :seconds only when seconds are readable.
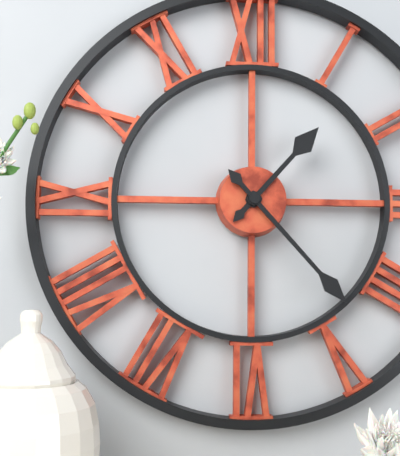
1:23
